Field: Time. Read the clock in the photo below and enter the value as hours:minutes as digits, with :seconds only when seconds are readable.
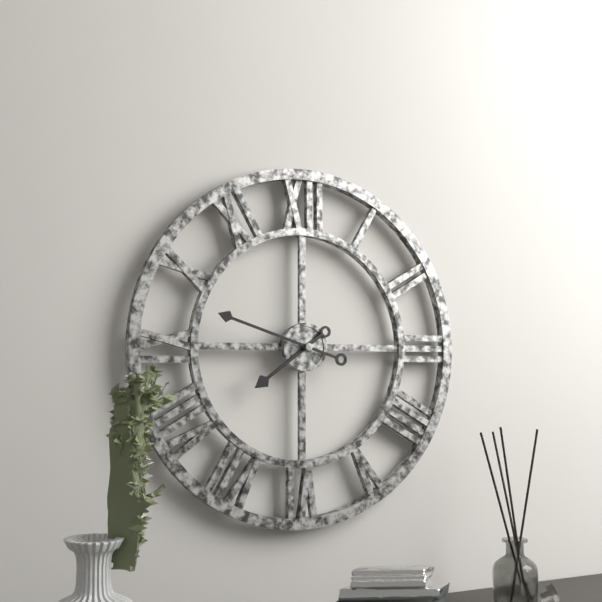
7:48
